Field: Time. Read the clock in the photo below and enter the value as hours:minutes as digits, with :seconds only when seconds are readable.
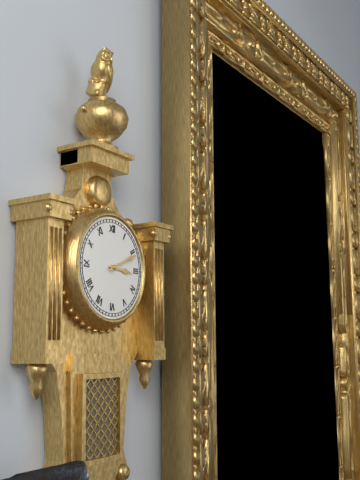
3:11
